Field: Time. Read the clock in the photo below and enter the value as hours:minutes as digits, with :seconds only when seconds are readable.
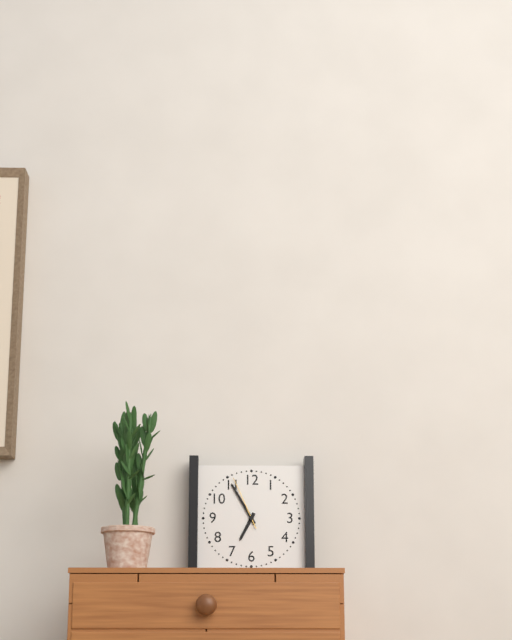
6:55:56
